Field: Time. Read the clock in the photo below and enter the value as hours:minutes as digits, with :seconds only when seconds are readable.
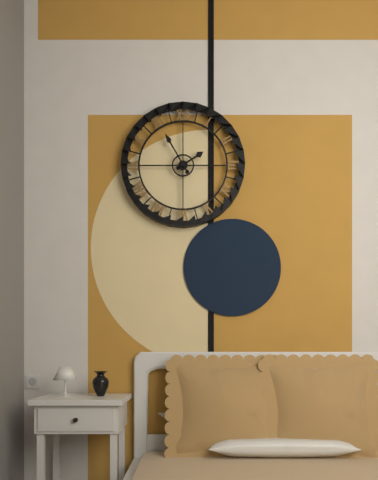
1:55
